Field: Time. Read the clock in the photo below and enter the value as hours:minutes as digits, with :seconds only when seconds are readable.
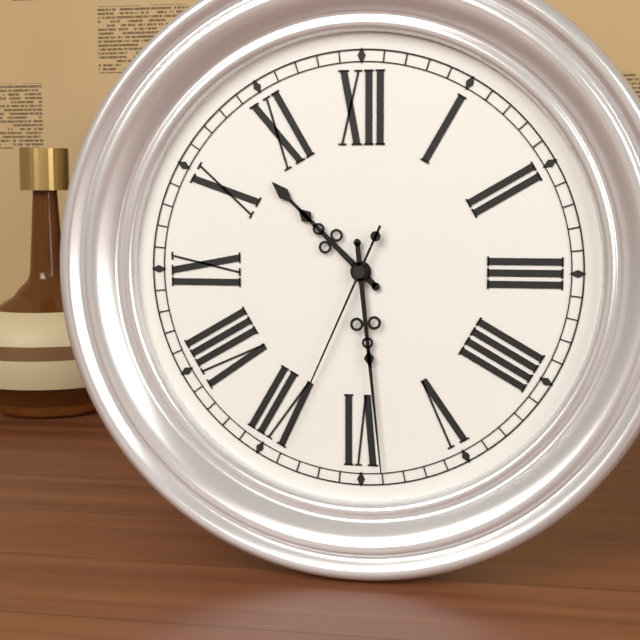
10:29:34
